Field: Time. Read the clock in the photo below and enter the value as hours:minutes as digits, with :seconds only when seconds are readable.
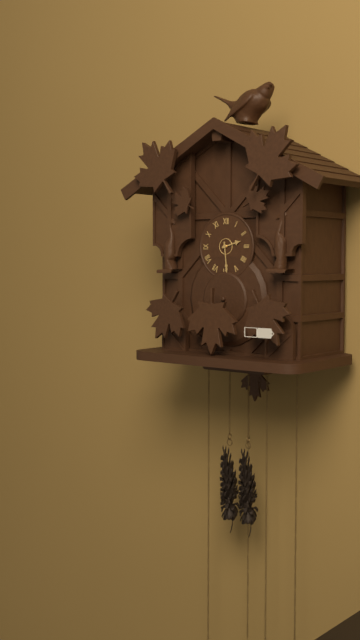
2:29
